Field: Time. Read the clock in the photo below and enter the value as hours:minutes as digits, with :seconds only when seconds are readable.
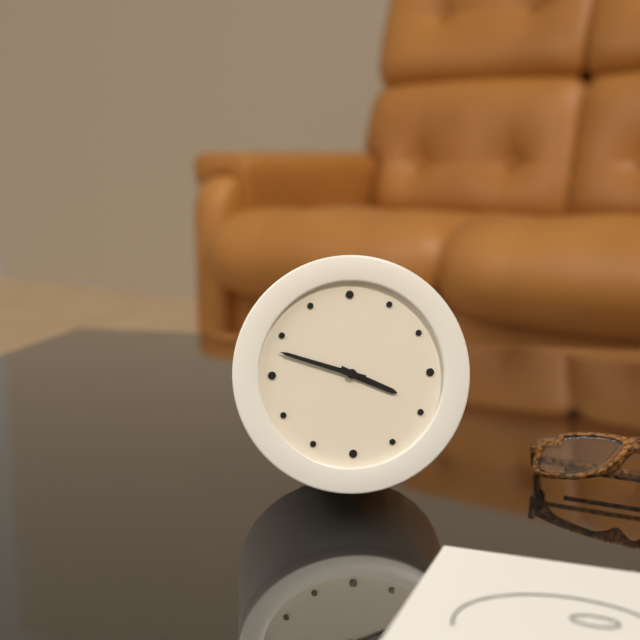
3:48
